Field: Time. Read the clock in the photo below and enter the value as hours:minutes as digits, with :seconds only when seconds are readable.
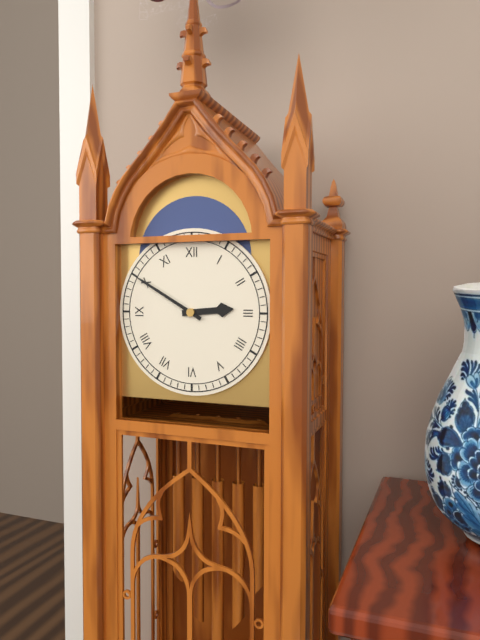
2:50
